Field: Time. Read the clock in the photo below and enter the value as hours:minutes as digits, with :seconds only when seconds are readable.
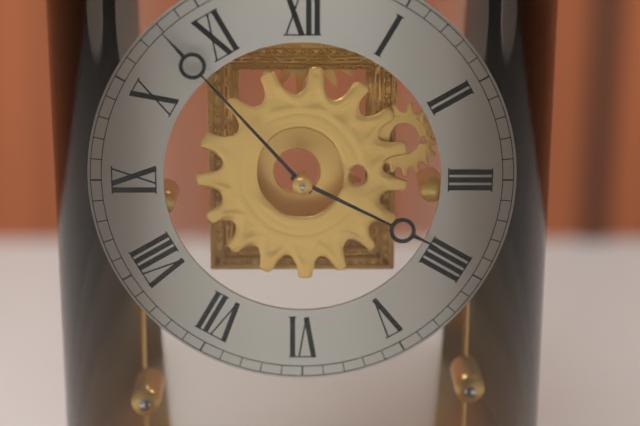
3:53
